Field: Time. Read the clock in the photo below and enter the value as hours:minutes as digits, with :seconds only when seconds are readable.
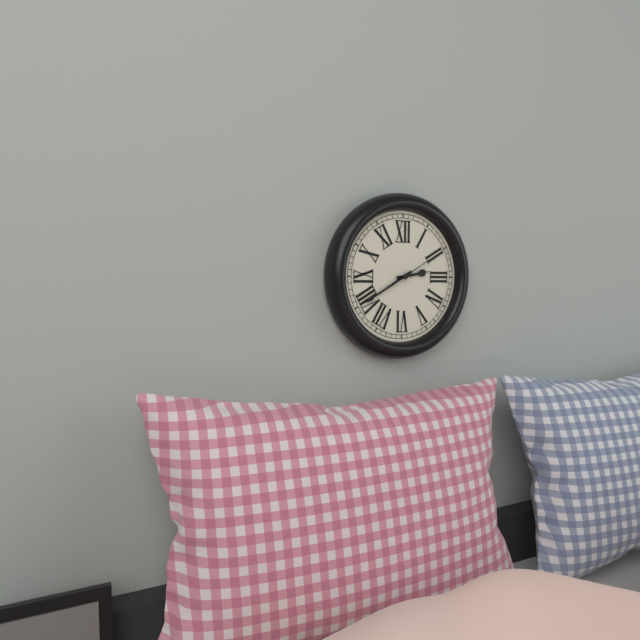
2:40:10
